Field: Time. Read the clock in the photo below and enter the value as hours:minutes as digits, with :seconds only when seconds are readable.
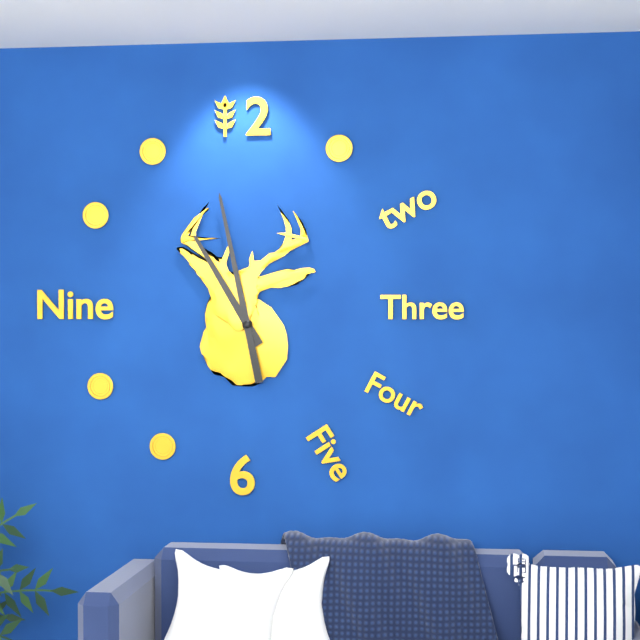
10:58
